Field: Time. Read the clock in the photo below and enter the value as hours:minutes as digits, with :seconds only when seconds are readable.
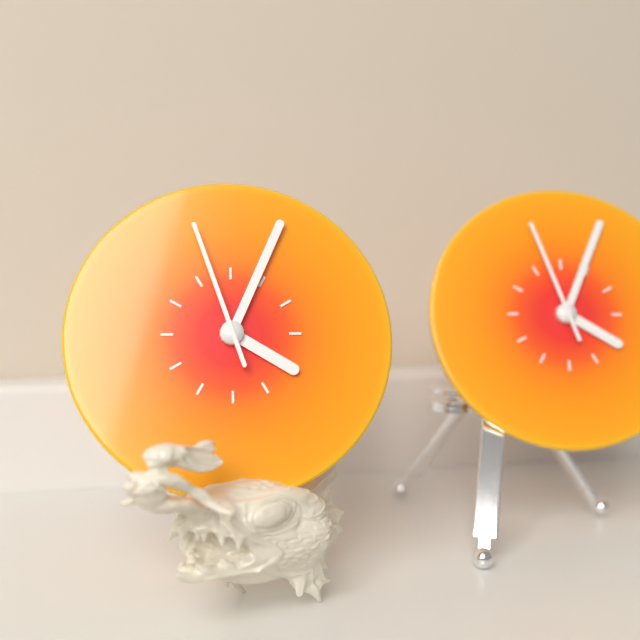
4:04:57
